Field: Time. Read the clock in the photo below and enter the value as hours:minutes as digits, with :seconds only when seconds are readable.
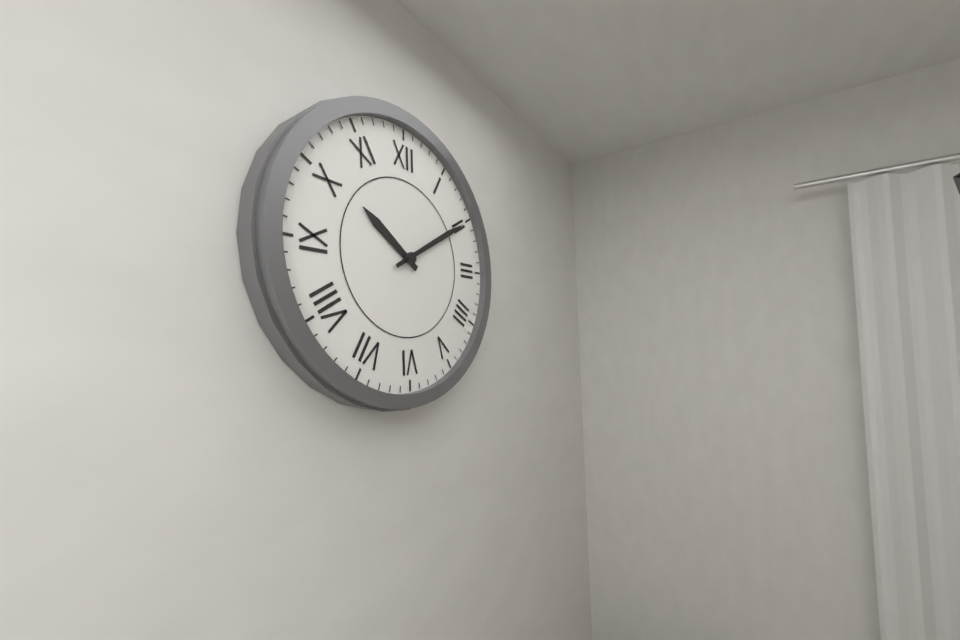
10:10
